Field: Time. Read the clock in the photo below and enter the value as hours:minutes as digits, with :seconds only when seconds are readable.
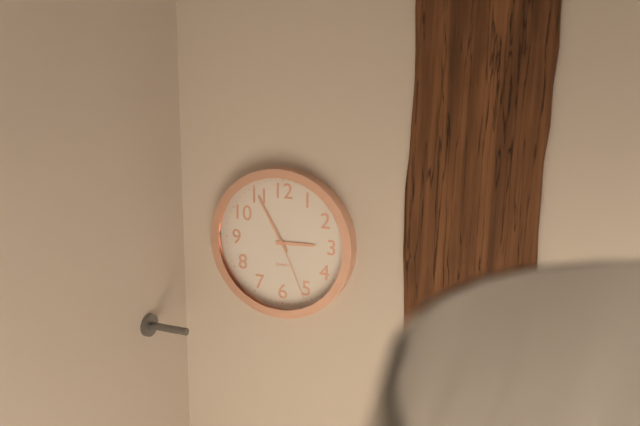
2:55:26
